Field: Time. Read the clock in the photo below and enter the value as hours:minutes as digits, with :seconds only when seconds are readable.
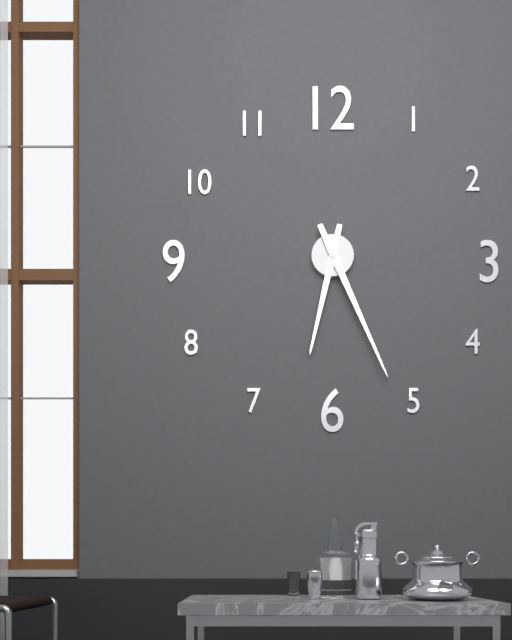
6:26
